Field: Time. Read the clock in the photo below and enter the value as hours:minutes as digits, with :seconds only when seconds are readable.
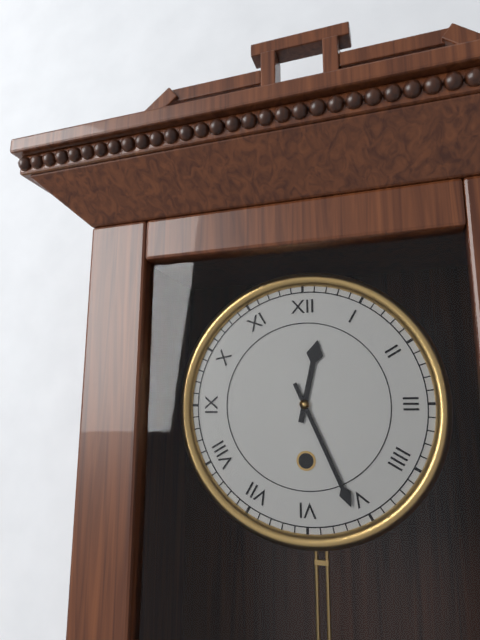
12:26
